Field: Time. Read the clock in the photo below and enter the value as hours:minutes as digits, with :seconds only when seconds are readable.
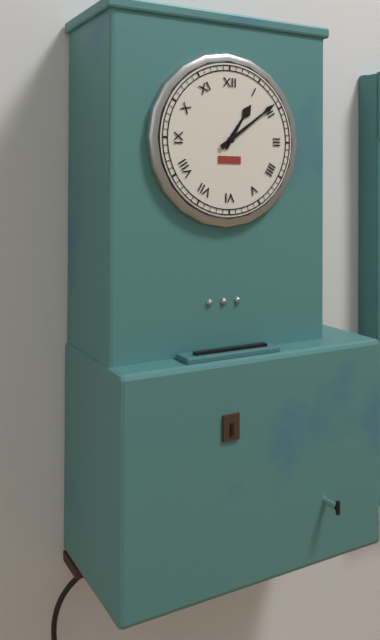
1:09
